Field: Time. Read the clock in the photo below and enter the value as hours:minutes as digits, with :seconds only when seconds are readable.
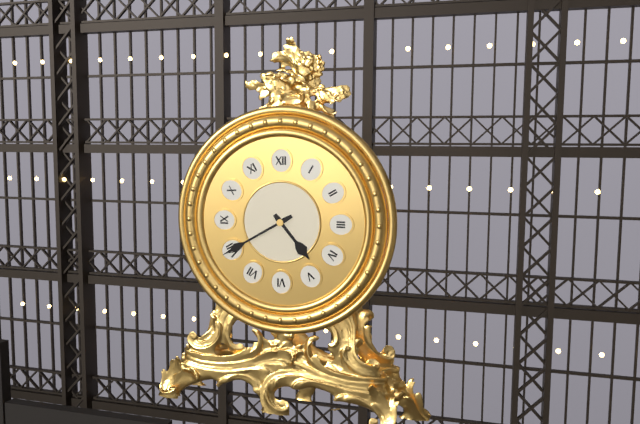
4:40
